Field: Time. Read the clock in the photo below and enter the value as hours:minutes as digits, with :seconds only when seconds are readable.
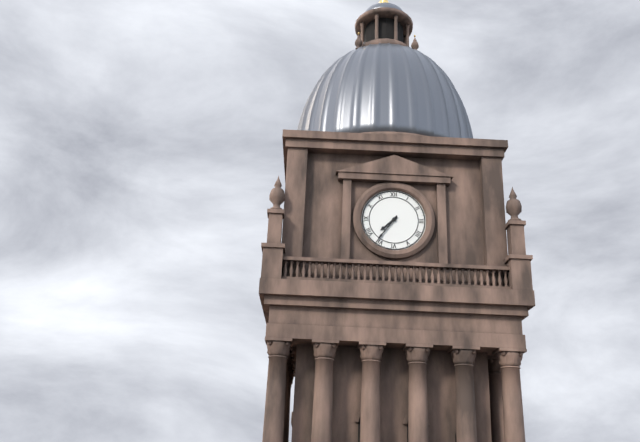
7:36
